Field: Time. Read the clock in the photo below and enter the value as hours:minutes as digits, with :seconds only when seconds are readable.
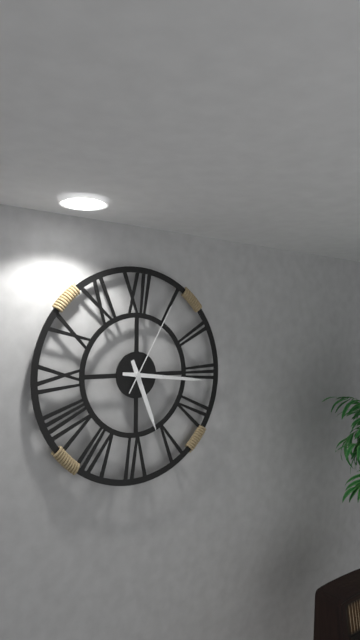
5:16:05
